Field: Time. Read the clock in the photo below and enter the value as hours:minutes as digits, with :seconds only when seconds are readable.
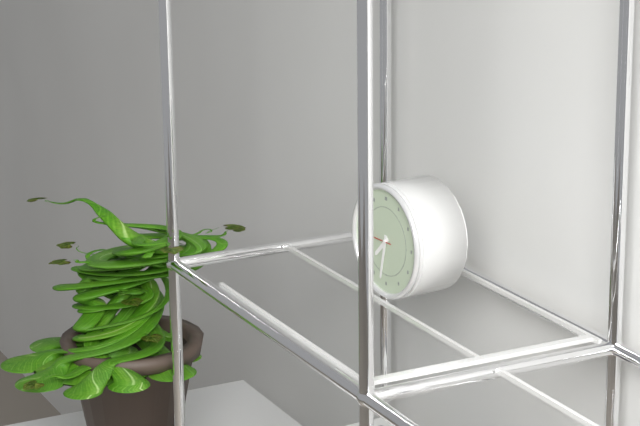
7:32
